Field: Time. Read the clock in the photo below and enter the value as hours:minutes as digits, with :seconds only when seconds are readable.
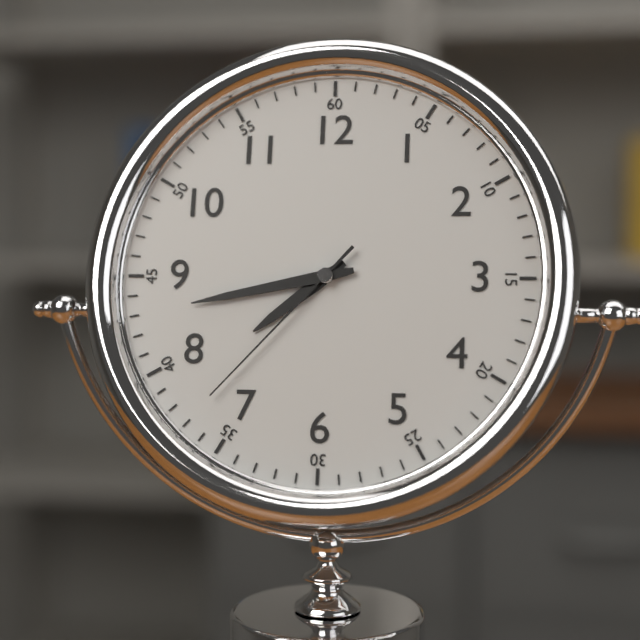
7:43:37
